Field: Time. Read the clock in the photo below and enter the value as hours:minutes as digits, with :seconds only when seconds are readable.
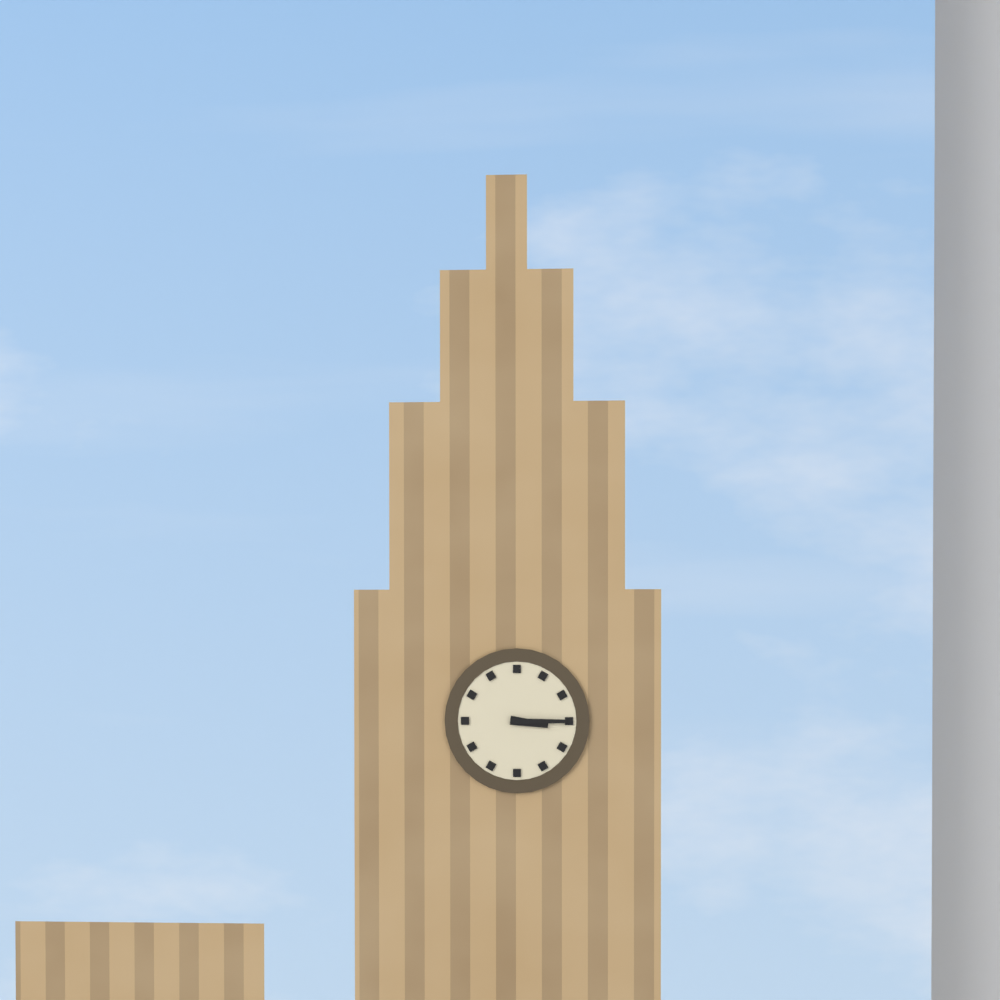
3:15
